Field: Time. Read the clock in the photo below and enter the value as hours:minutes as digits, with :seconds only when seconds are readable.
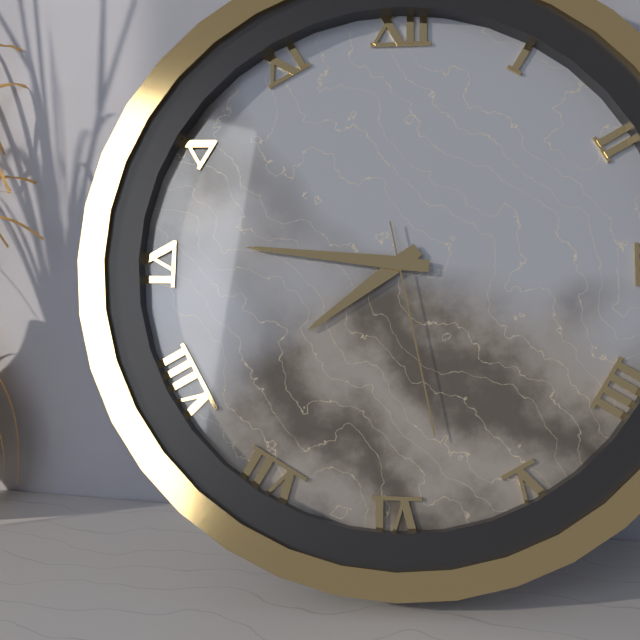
7:46:28
